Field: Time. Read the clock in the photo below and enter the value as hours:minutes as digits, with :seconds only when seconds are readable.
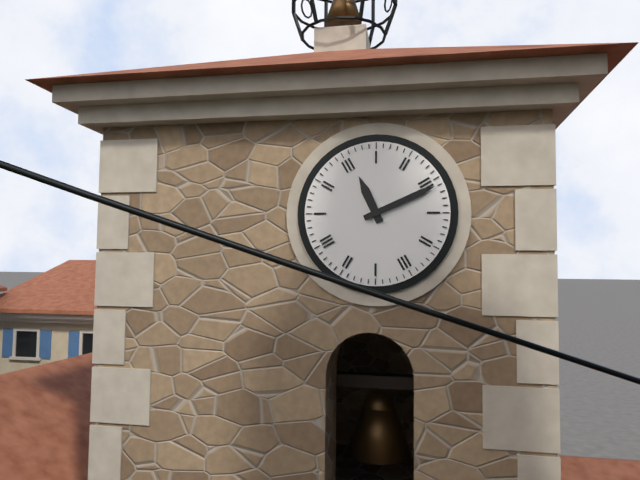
11:11
